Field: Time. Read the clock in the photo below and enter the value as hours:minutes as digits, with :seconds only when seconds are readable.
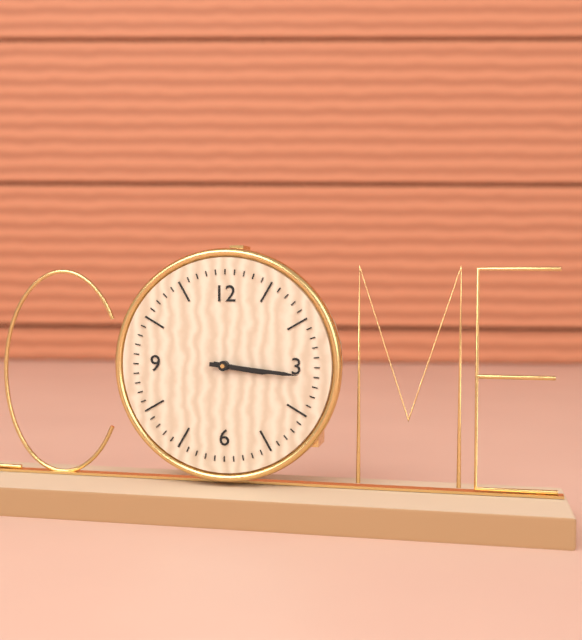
3:16
